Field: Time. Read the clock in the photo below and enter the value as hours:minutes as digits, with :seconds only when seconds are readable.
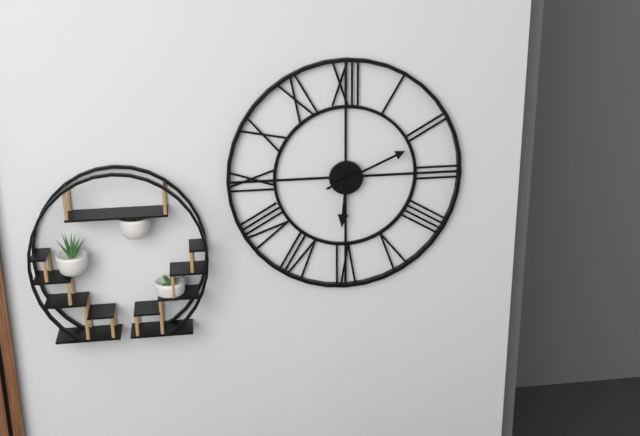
6:11
